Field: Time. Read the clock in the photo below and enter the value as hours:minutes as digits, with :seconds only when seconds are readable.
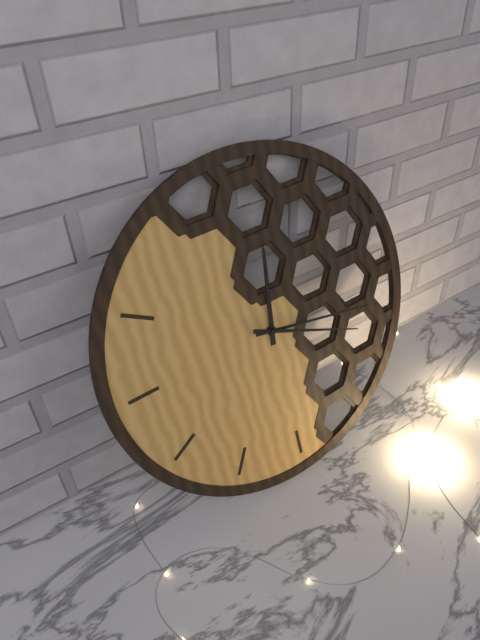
12:17:19
